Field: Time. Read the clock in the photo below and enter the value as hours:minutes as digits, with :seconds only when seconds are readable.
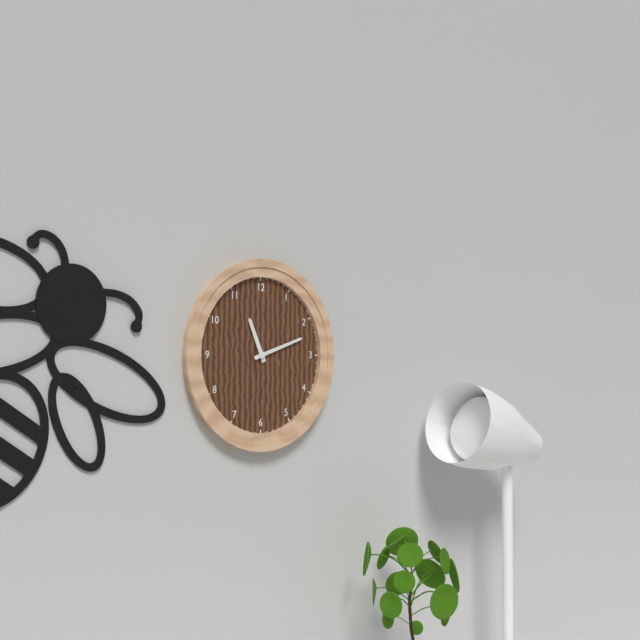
11:12
